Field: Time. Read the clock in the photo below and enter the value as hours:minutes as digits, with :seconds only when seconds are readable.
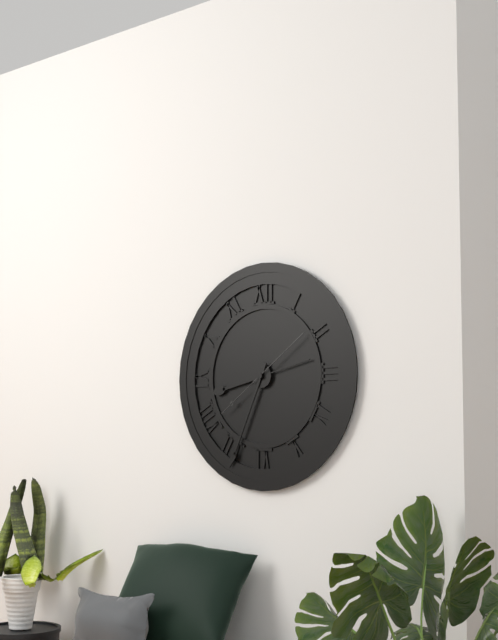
8:34:09
